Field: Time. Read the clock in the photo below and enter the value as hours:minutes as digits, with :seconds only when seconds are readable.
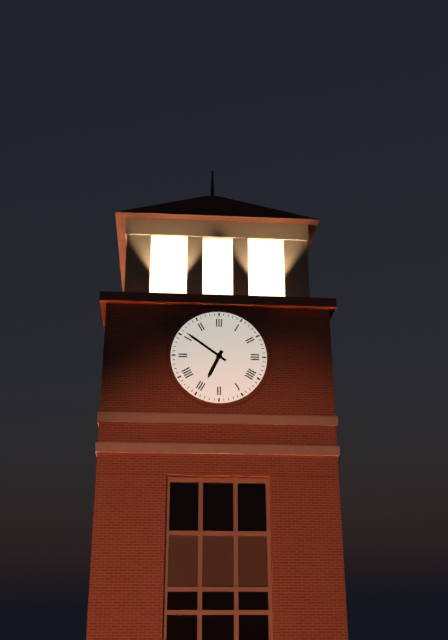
6:51
